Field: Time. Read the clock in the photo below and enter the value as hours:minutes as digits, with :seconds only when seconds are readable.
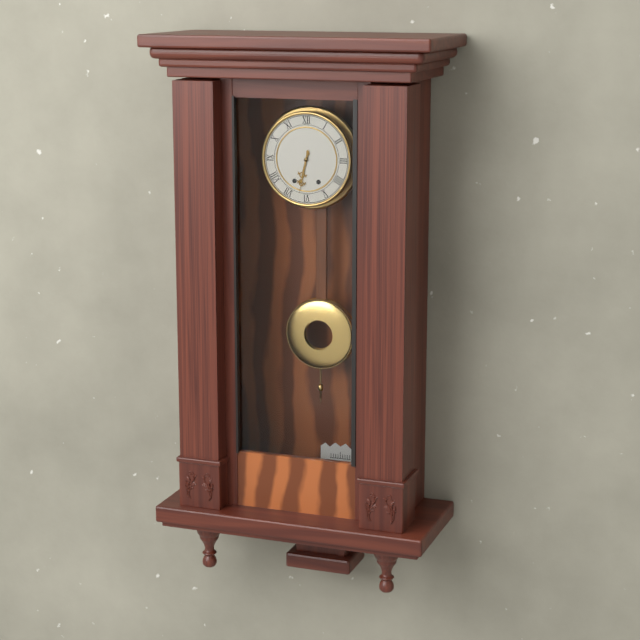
6:32
